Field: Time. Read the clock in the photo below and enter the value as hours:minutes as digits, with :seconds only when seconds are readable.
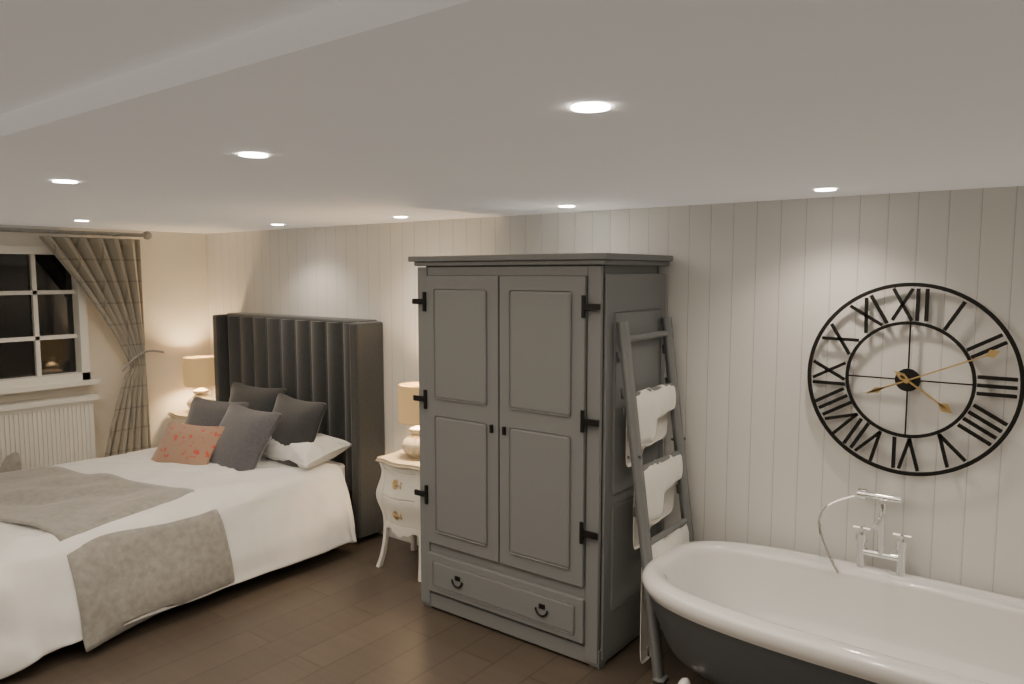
4:11
